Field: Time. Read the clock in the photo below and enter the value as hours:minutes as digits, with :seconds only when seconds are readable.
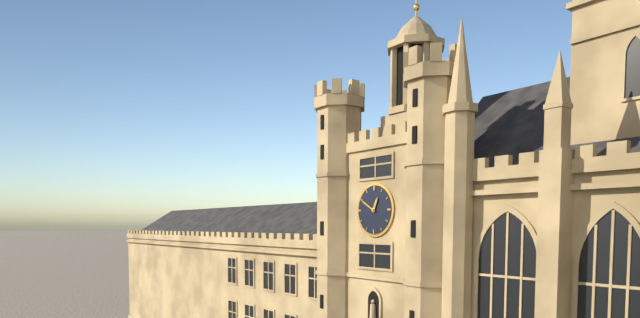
12:50
